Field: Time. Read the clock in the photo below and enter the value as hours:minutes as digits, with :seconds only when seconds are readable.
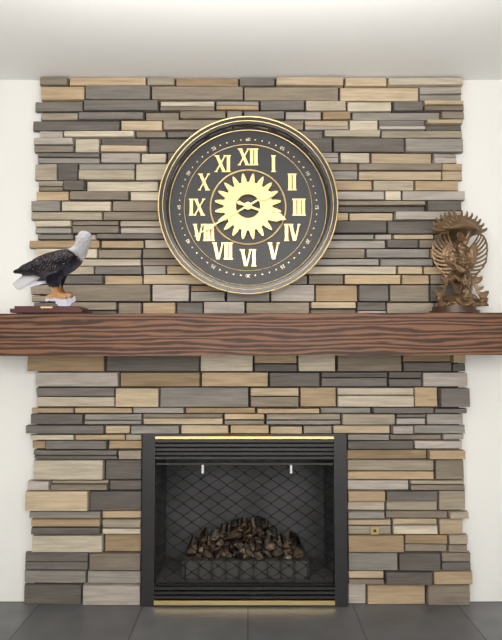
3:40
